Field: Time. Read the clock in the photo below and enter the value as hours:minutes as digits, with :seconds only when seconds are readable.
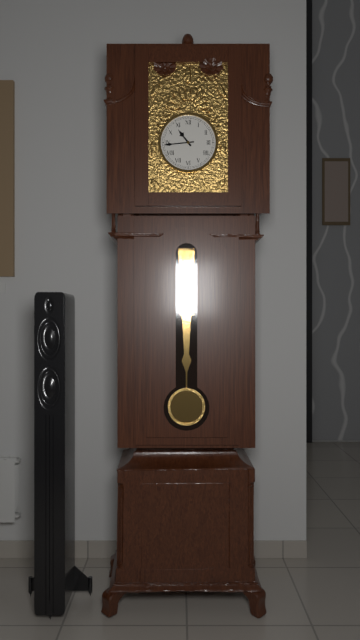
10:44
